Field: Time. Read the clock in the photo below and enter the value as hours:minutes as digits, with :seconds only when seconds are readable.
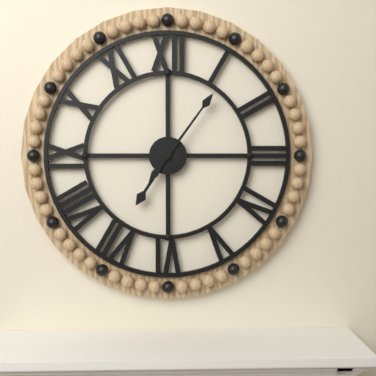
7:06
